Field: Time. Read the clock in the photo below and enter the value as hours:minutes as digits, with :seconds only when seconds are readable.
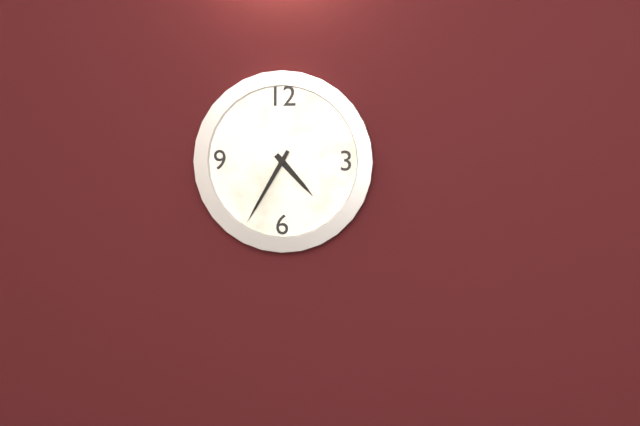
4:35
